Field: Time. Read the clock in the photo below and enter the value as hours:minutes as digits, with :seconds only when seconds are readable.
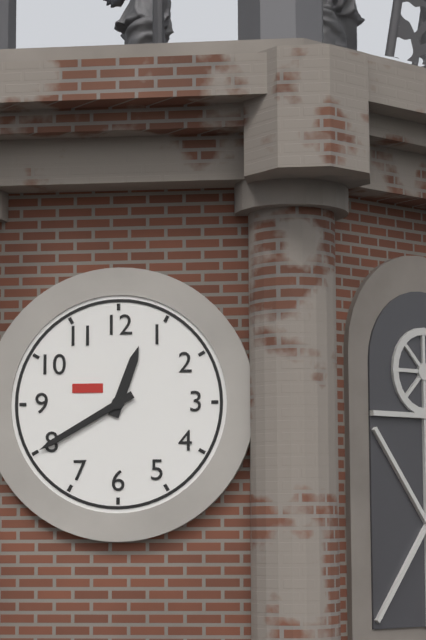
12:40
